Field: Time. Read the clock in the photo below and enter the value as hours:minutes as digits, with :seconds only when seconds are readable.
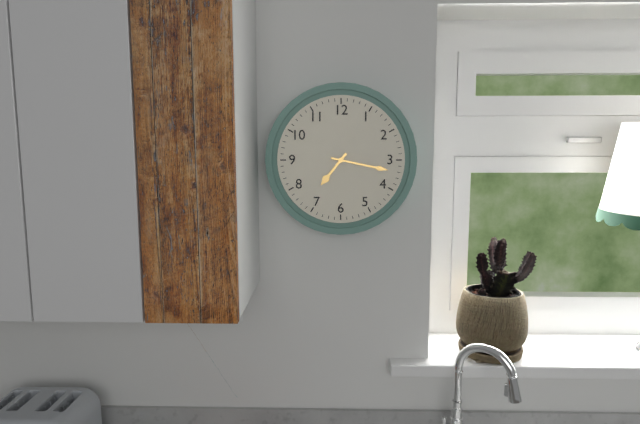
7:17
